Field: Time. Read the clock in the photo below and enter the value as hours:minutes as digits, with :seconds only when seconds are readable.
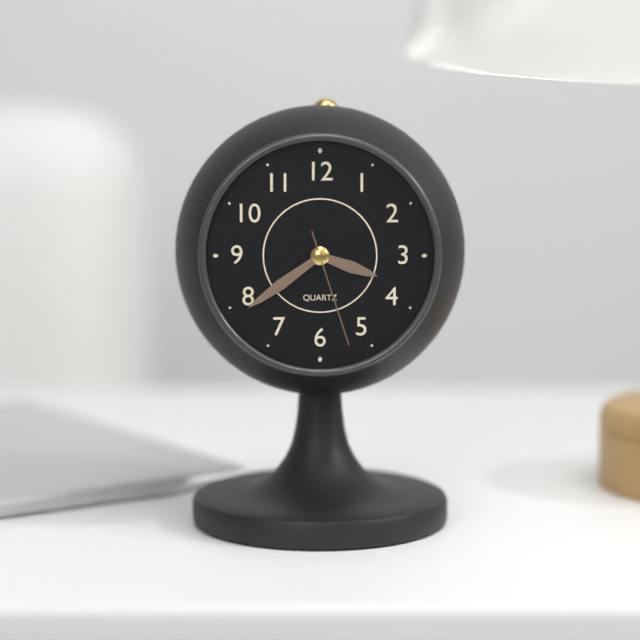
3:39:27
